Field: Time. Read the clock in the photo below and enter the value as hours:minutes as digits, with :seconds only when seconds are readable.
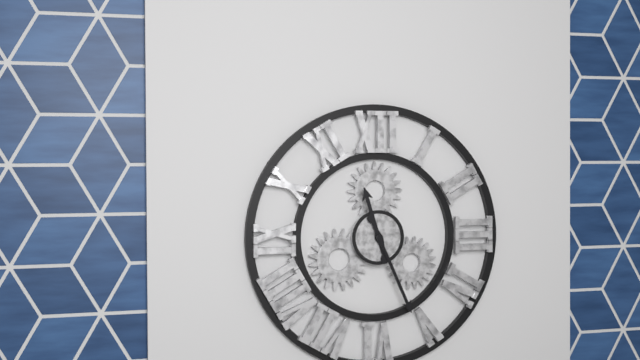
11:26
